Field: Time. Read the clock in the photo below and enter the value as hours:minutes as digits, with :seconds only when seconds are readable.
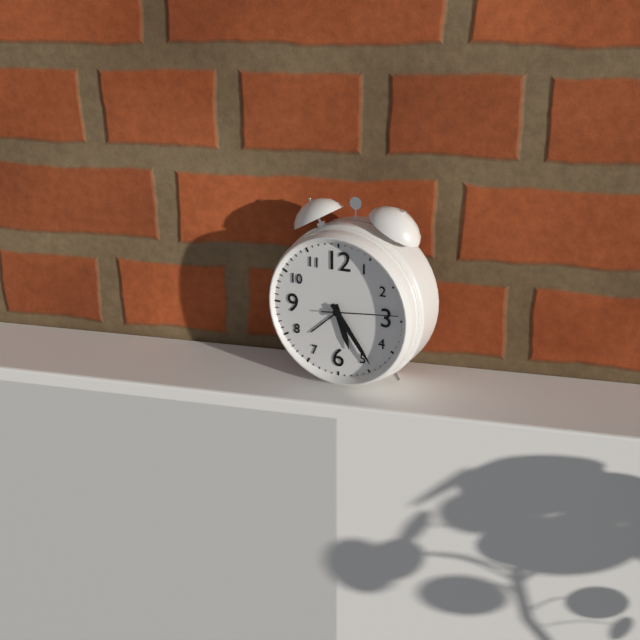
5:24:14
